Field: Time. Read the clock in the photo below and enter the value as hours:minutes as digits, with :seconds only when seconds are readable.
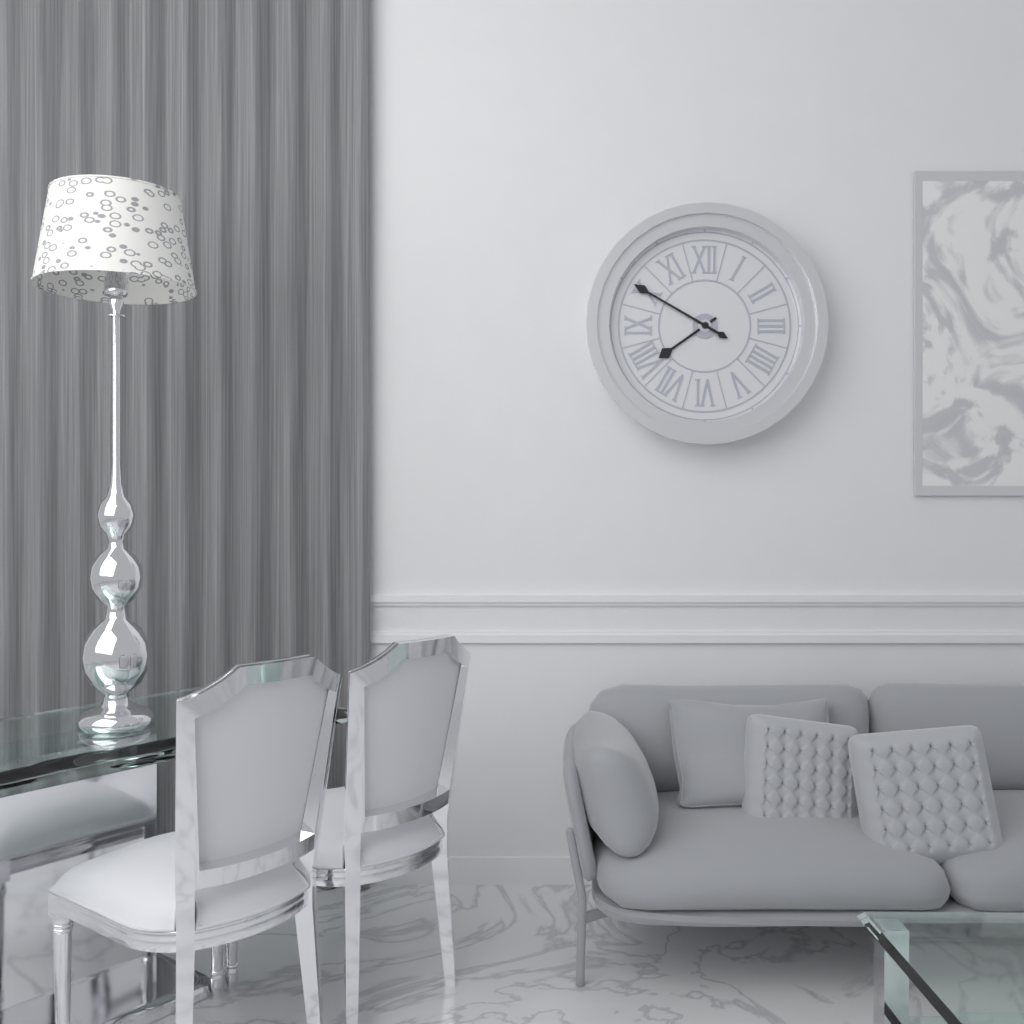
7:50
